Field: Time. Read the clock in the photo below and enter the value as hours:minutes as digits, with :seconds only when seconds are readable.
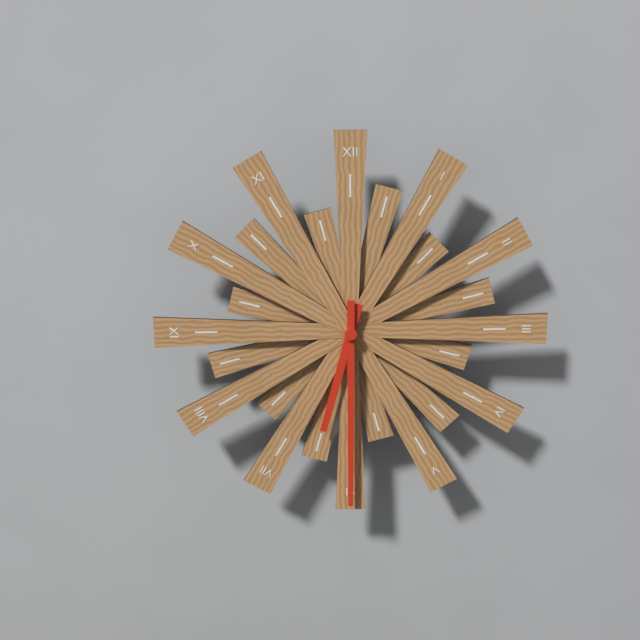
6:30
